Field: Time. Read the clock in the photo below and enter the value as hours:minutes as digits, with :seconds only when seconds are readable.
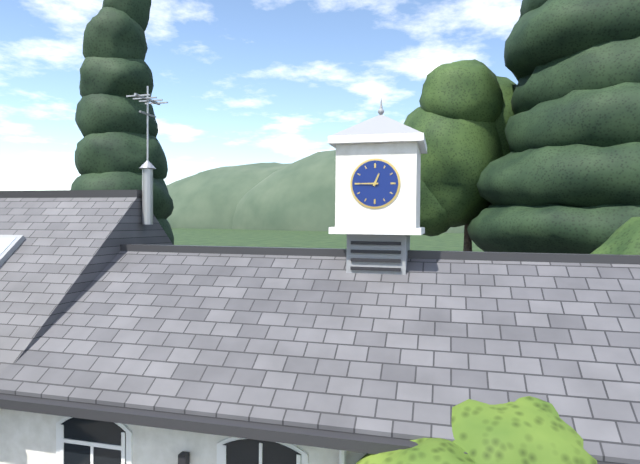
12:45
